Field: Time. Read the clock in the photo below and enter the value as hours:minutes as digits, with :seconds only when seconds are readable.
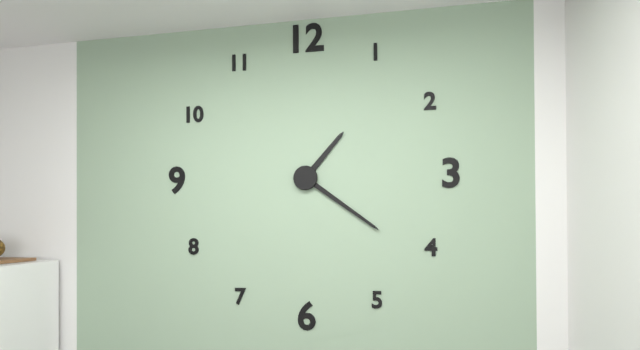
1:21
